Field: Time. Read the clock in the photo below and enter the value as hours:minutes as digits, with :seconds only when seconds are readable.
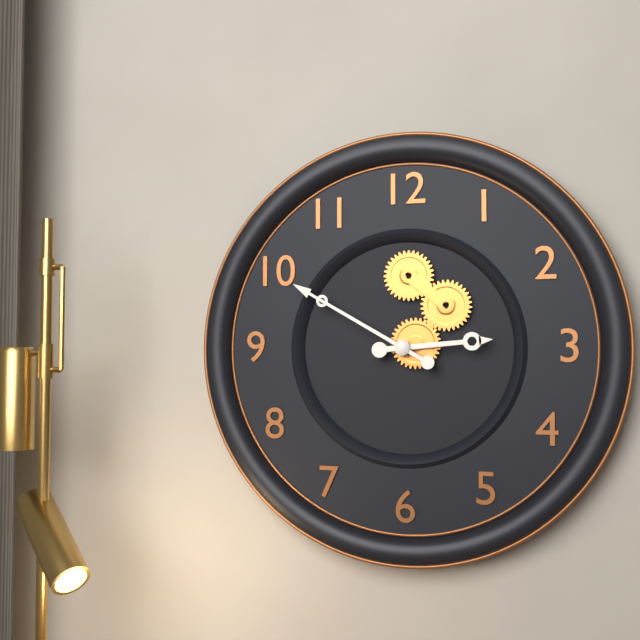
2:50
